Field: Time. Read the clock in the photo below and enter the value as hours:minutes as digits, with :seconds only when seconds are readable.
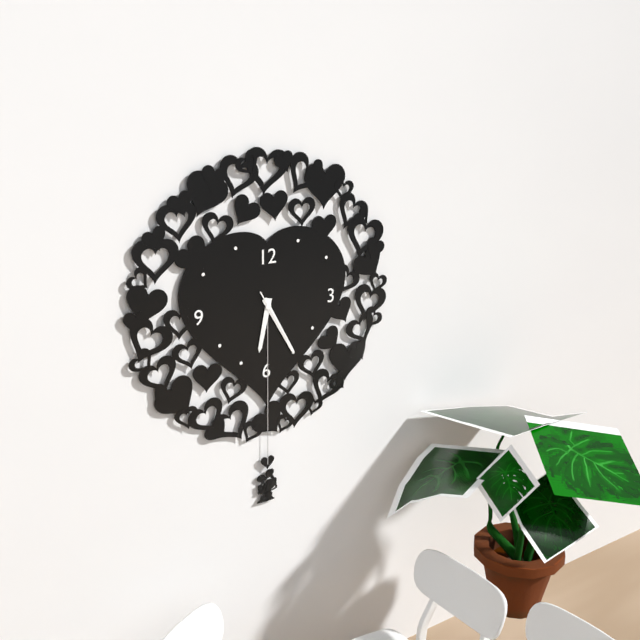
6:25
